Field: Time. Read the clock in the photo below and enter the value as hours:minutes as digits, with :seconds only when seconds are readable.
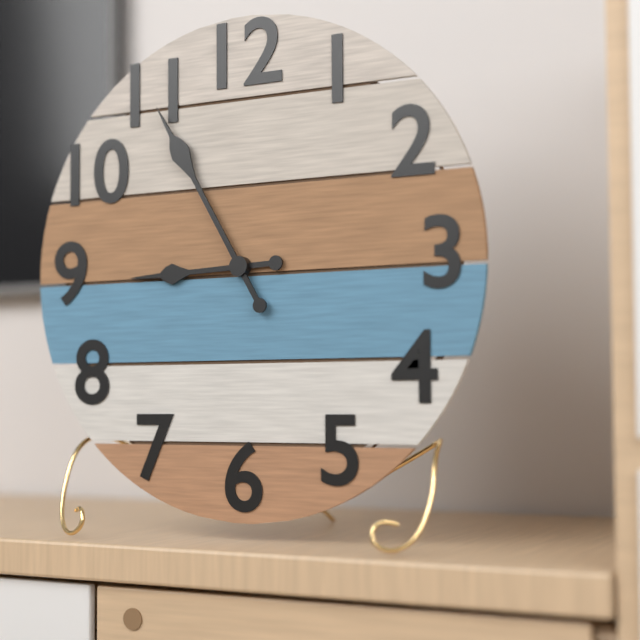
8:55
